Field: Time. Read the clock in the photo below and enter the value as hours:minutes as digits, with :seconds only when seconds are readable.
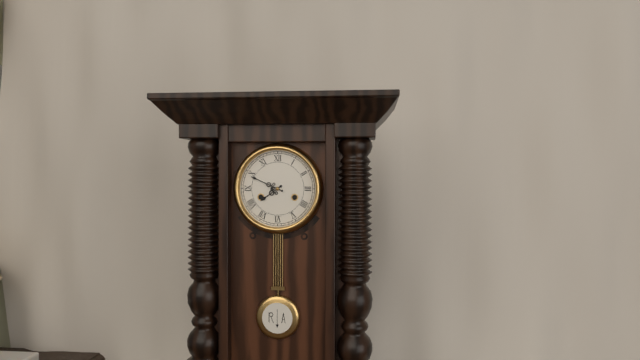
7:49
